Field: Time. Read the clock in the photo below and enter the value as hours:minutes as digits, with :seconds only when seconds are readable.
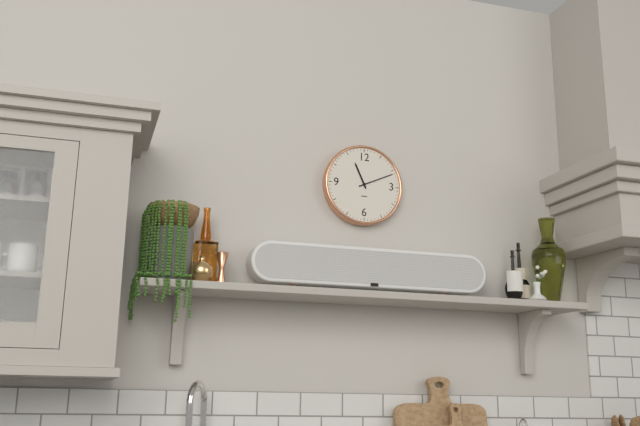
11:11
